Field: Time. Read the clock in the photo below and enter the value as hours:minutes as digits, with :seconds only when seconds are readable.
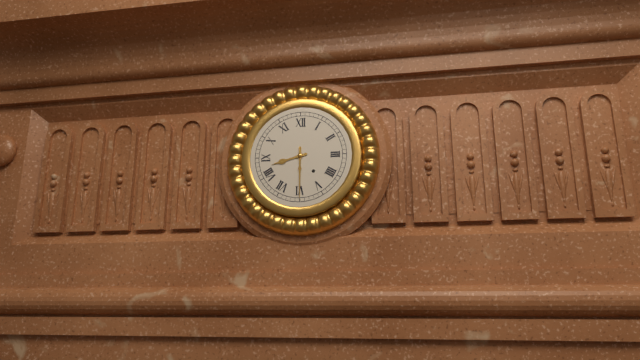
8:30
